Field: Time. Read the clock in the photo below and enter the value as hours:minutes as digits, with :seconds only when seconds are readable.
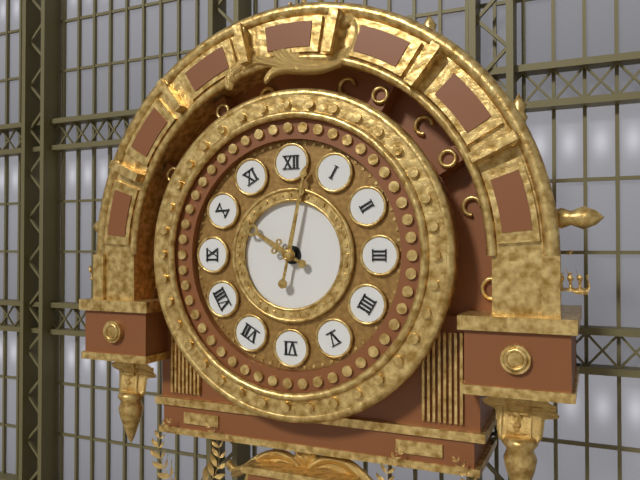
10:02
